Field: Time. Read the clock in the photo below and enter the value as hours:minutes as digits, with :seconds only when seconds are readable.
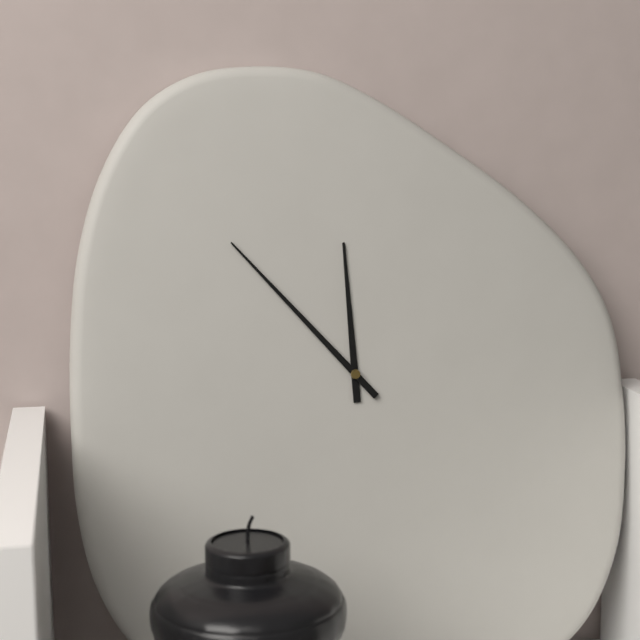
11:53
